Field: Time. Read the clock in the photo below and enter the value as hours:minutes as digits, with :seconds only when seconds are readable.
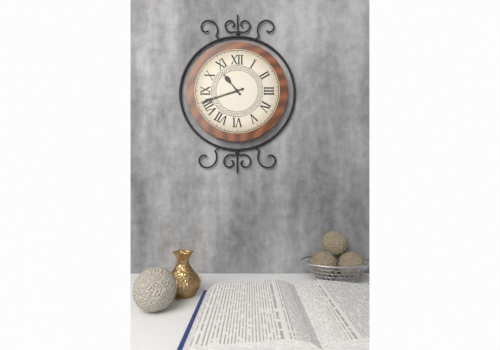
10:42
